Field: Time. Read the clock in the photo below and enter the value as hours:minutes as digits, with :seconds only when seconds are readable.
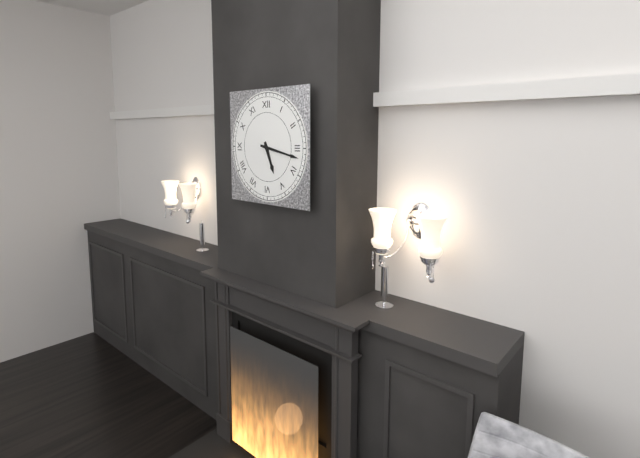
5:17
